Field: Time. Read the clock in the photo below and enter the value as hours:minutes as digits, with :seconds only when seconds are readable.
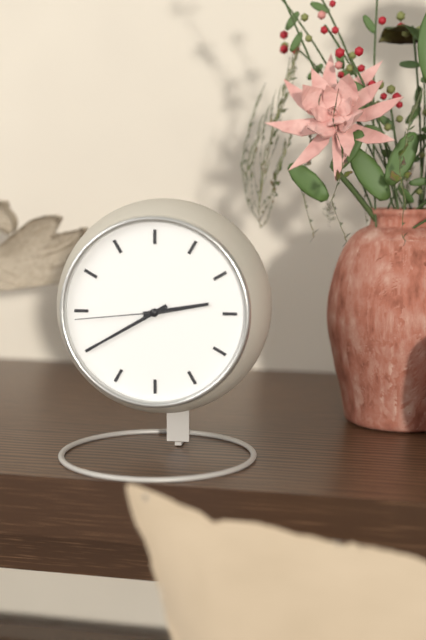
2:40:44
